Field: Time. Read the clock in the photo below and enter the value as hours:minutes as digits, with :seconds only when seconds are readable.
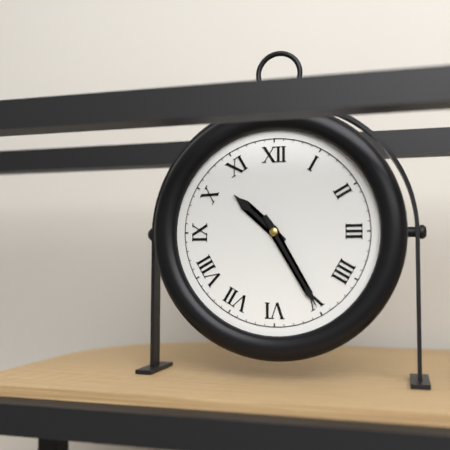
10:25
